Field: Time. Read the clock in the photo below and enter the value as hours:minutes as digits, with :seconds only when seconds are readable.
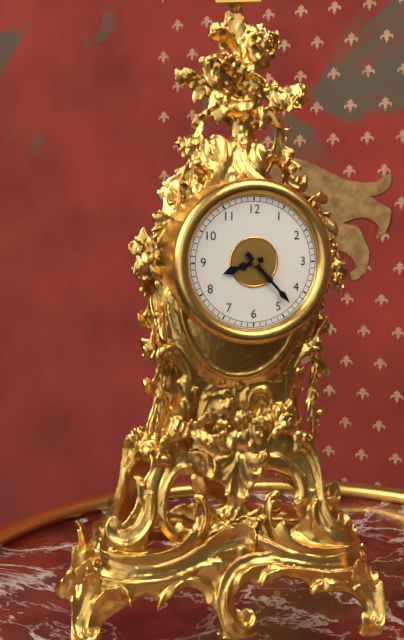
8:23
